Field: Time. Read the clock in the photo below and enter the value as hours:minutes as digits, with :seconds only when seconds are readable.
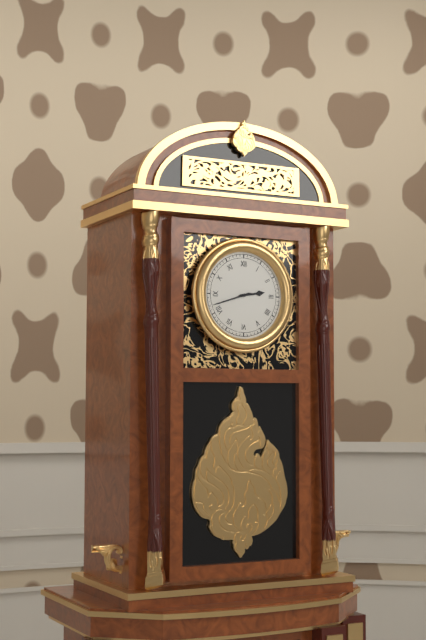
2:42
